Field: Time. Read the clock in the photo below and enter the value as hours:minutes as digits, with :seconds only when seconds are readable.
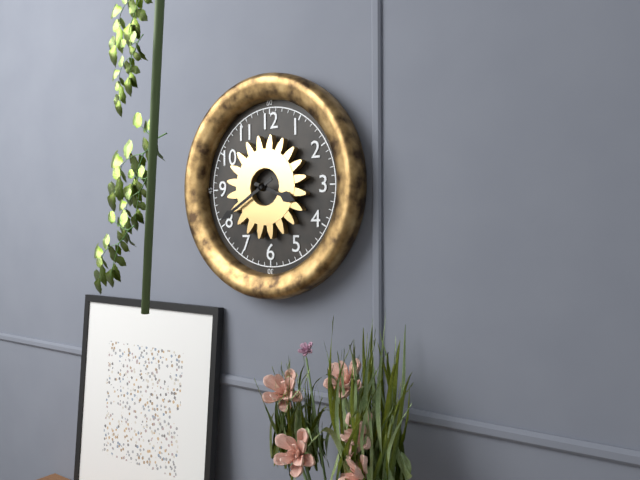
3:40
